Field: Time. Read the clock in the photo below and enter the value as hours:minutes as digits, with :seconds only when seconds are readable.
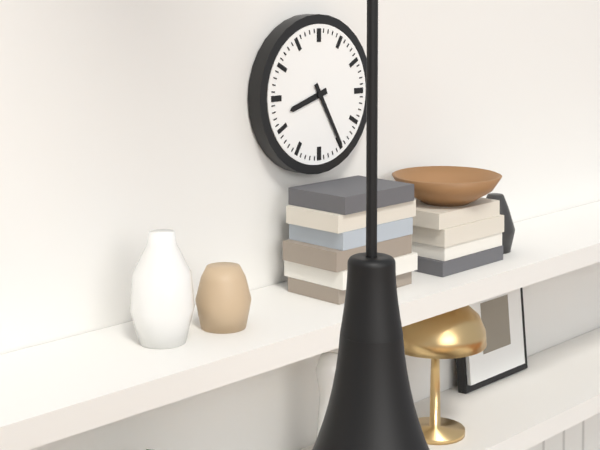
8:25
